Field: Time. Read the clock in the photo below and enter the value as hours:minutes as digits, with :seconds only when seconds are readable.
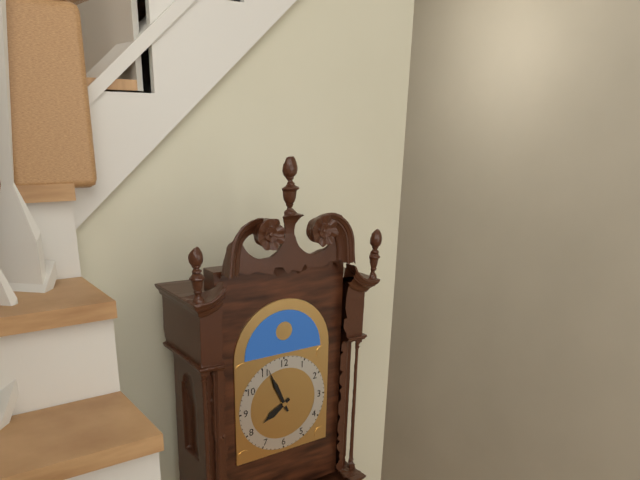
7:56
